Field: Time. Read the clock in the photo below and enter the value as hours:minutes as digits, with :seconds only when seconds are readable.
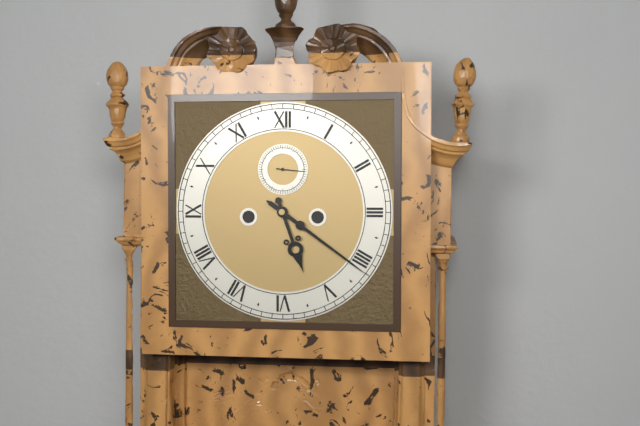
5:21
